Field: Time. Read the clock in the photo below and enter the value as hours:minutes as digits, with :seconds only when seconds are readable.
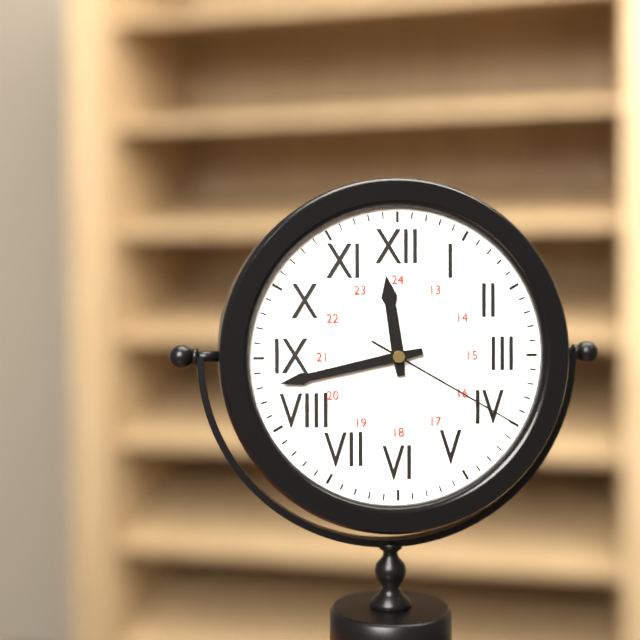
11:43:20
